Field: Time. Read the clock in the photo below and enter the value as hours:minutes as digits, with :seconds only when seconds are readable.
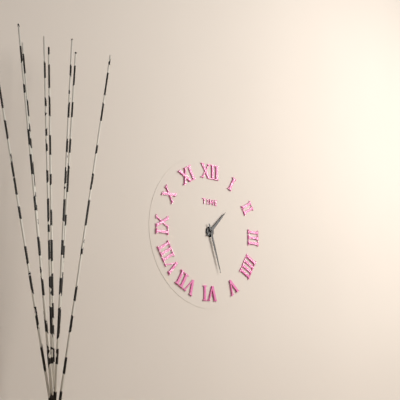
1:27
